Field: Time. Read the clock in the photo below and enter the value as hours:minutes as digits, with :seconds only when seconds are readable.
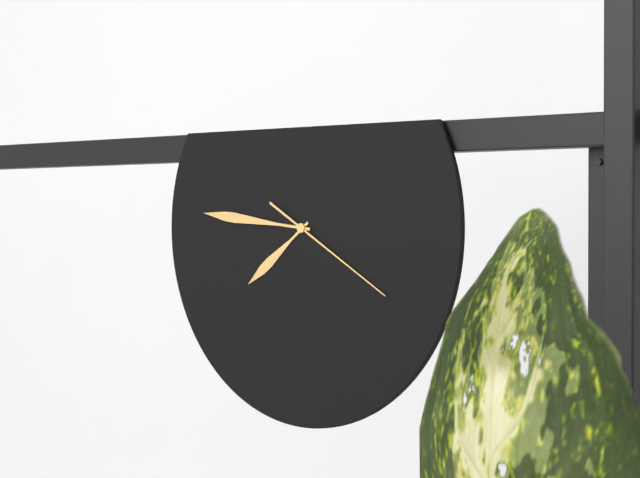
7:46:20
